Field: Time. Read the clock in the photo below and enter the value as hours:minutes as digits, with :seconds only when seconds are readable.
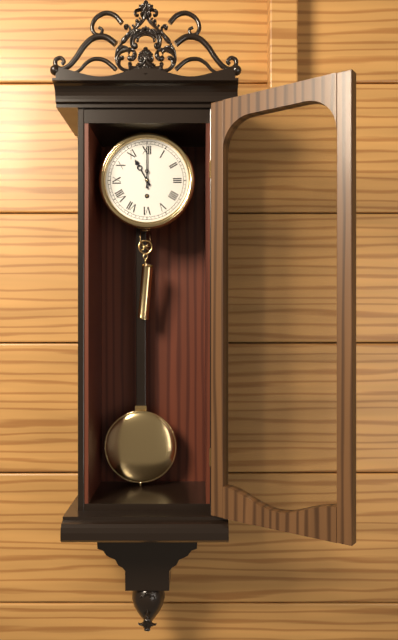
11:00
